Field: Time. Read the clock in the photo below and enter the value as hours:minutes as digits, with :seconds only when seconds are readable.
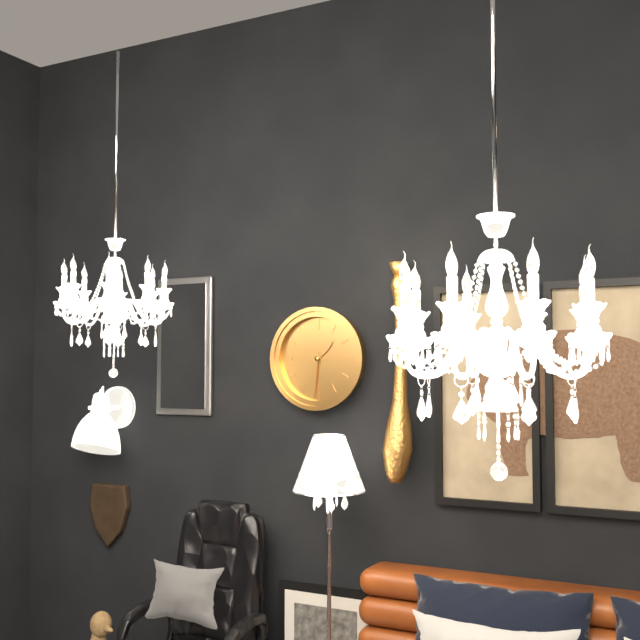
1:31
